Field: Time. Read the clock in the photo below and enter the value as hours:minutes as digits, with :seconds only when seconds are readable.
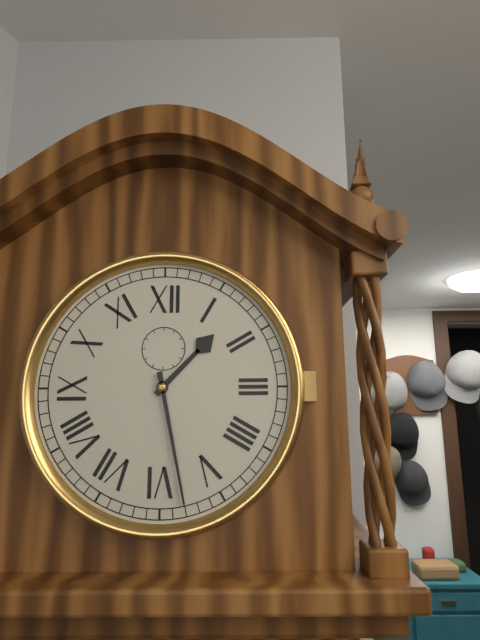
1:28
